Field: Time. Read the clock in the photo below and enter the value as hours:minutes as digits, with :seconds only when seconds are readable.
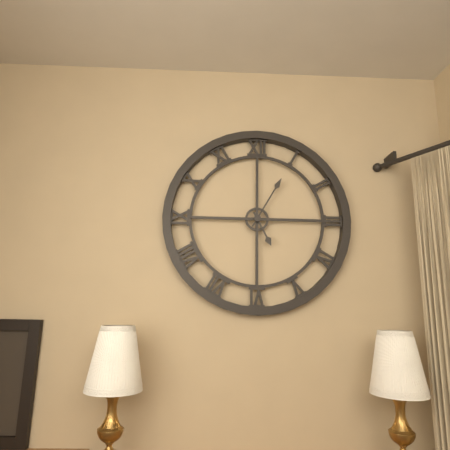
5:05
